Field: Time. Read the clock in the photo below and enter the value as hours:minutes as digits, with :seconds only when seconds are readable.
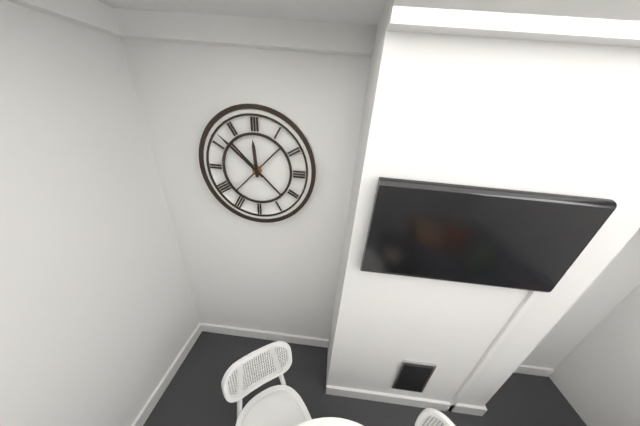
11:52
